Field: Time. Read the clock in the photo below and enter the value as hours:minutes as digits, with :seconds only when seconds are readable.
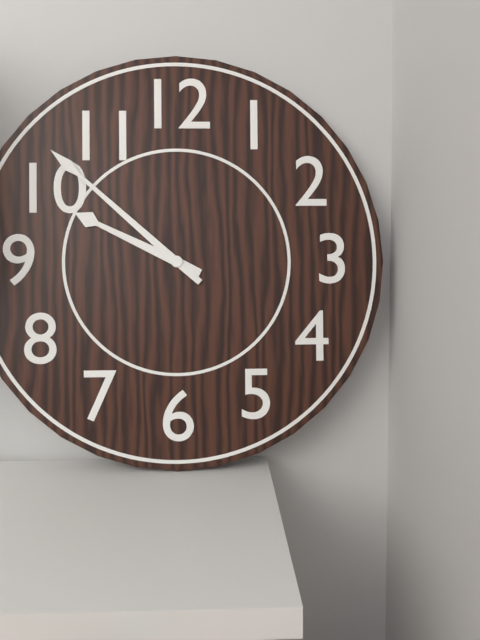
9:52
